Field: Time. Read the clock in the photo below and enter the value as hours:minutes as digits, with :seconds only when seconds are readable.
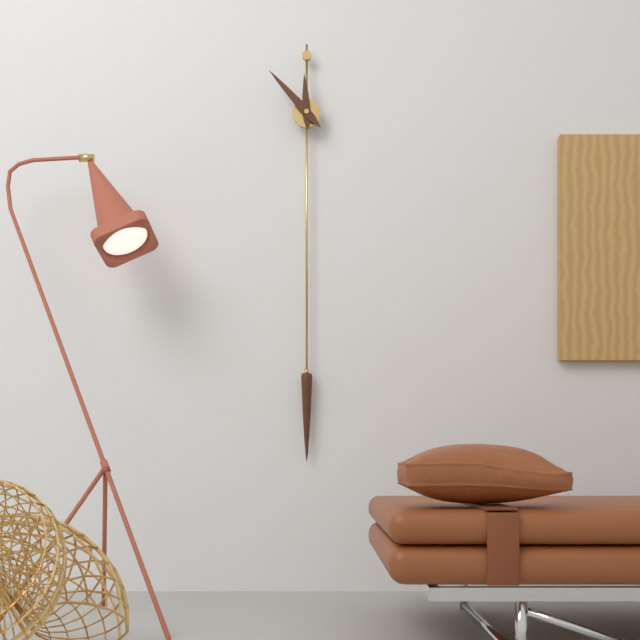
11:53
